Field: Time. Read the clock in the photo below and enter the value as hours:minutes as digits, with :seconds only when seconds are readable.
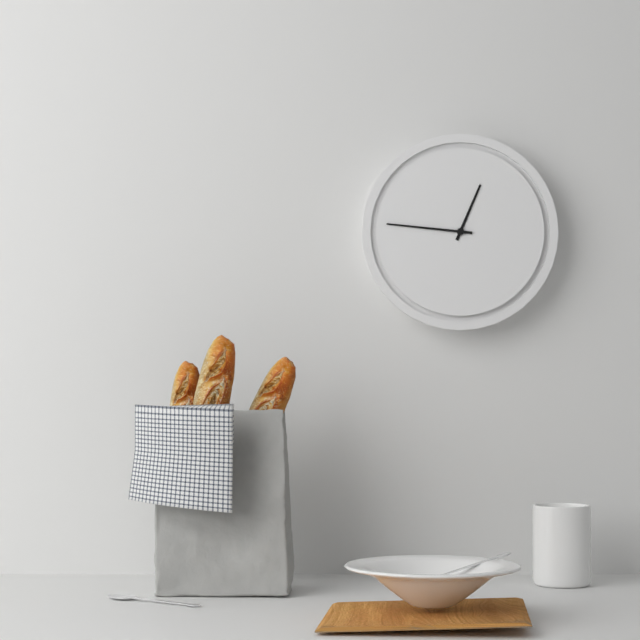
12:46
